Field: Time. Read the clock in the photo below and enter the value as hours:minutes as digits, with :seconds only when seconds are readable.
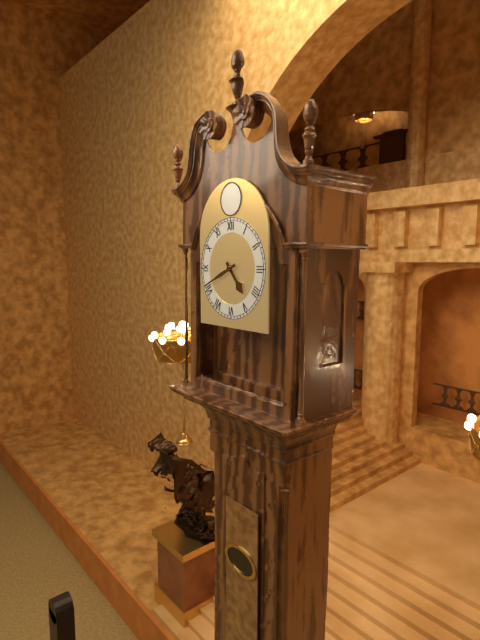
4:41
